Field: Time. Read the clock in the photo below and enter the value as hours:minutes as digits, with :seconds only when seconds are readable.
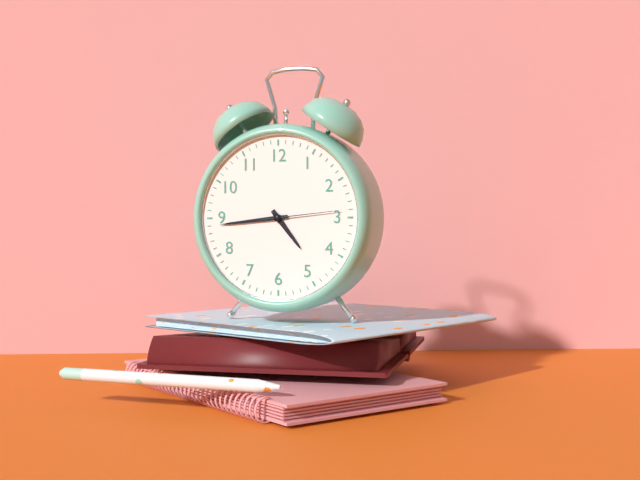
4:44:14
